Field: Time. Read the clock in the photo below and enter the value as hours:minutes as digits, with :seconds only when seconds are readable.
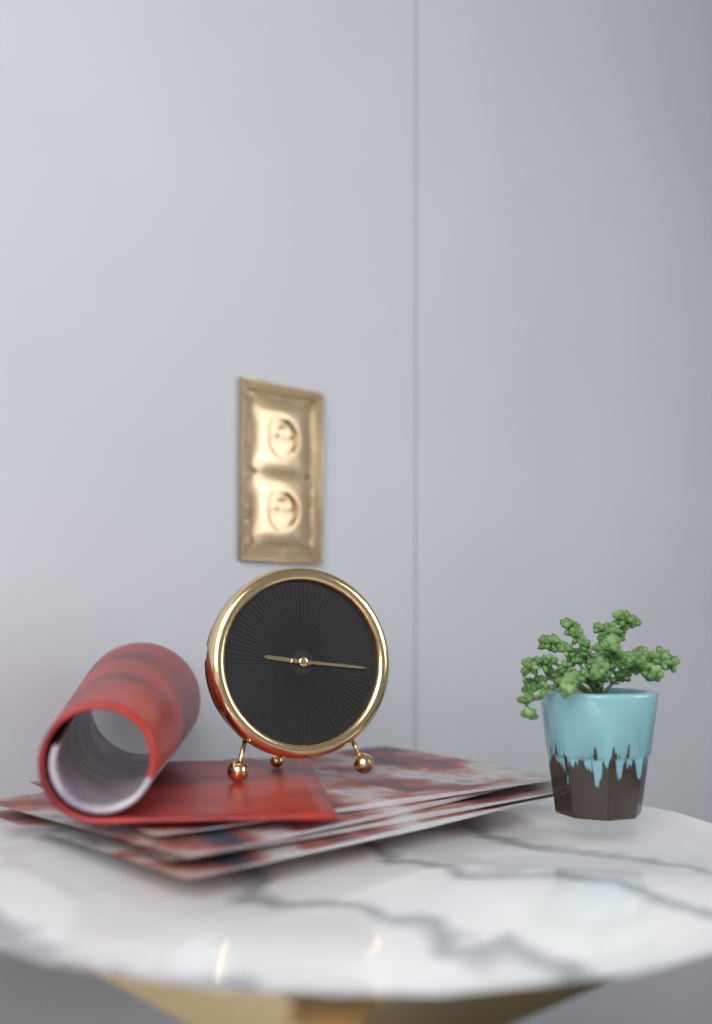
9:16
